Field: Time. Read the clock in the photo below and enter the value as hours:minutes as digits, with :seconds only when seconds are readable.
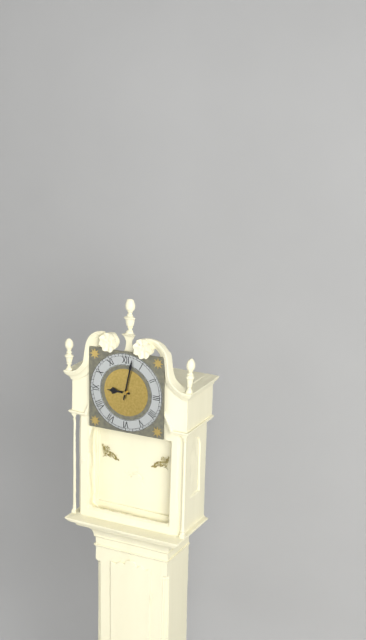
9:02
